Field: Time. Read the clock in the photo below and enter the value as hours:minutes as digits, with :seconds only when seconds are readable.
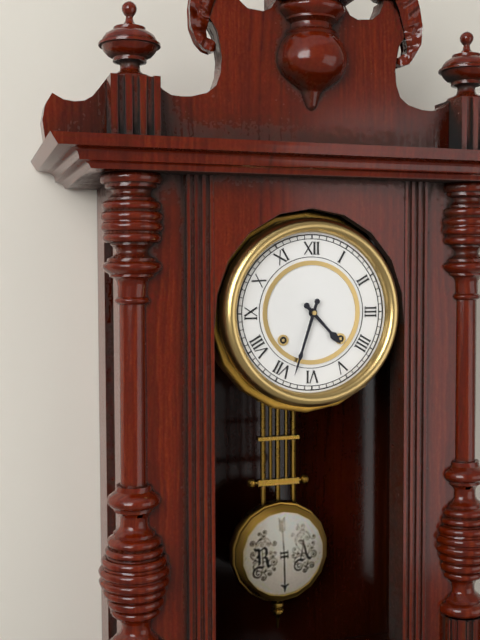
4:33
